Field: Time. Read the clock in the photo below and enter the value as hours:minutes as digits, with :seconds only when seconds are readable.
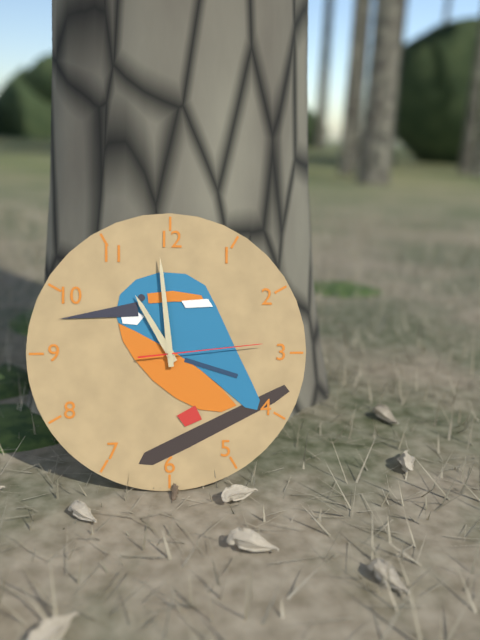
10:59:14
